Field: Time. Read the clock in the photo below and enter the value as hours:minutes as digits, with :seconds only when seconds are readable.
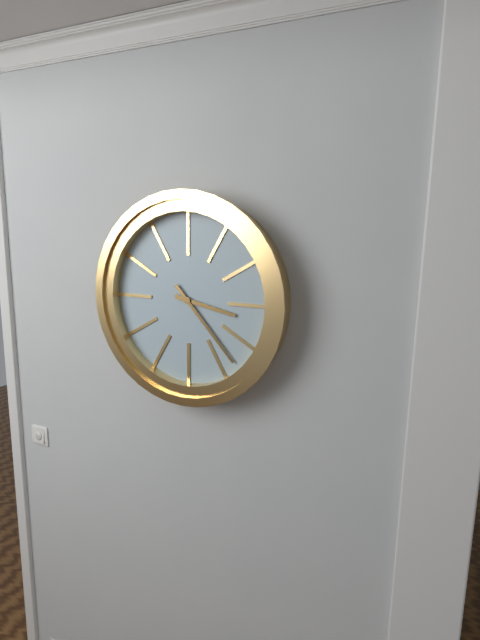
3:23
